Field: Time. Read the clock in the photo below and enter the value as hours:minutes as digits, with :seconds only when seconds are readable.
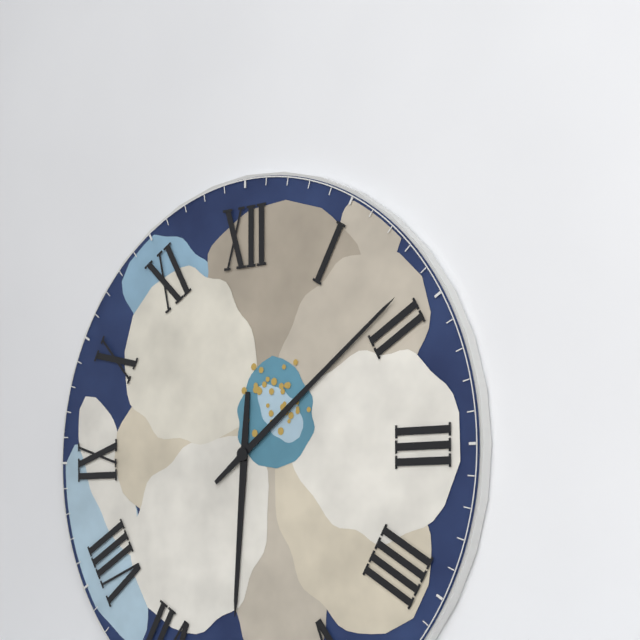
6:09
